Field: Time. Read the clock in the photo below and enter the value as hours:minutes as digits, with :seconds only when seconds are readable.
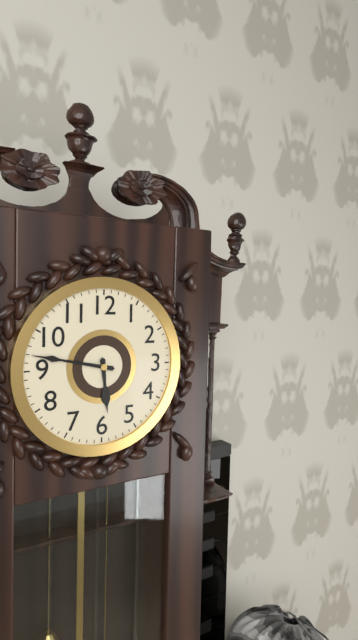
5:47
